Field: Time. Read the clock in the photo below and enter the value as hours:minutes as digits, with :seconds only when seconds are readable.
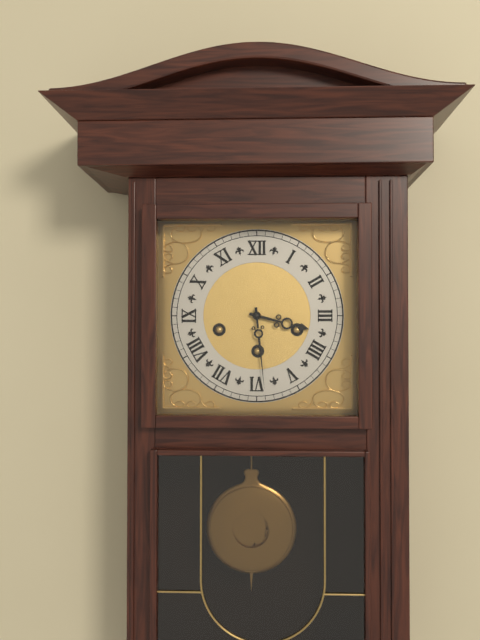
3:29
